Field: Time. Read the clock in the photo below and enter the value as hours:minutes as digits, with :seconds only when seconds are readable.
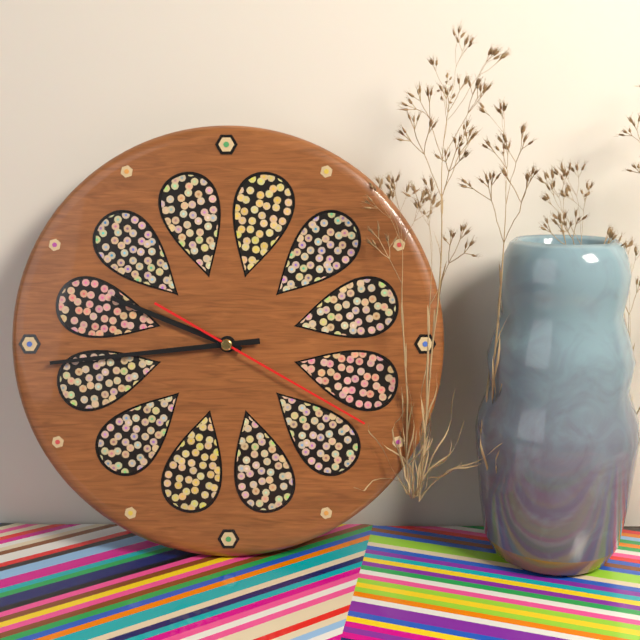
9:44:20
